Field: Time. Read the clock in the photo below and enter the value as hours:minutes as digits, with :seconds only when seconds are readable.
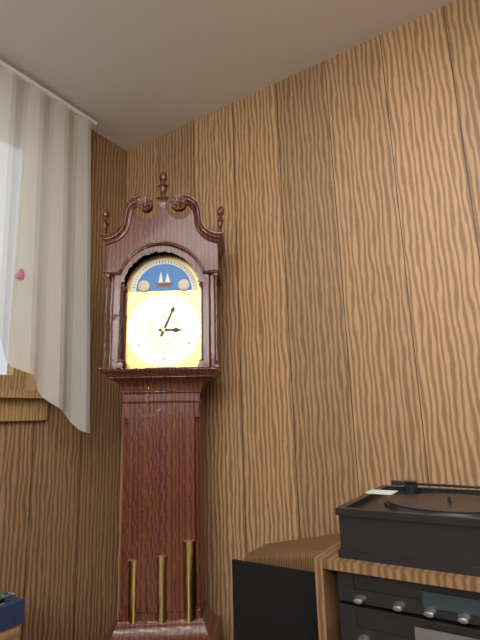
3:04
